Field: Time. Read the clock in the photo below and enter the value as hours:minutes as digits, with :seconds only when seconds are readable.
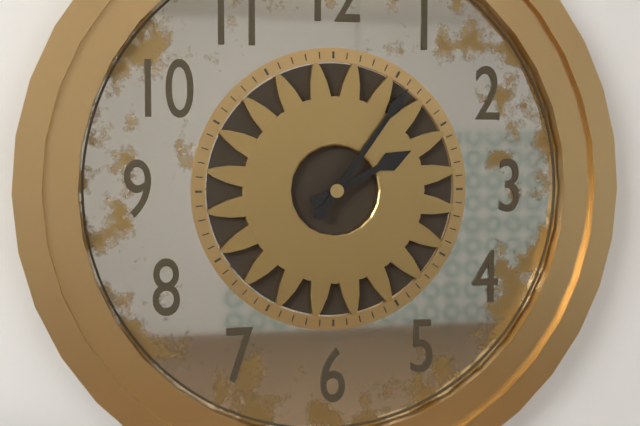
2:06
